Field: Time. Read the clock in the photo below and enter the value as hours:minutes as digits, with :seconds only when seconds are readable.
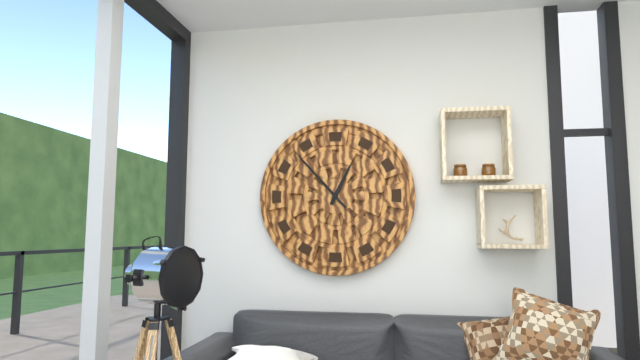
12:53
